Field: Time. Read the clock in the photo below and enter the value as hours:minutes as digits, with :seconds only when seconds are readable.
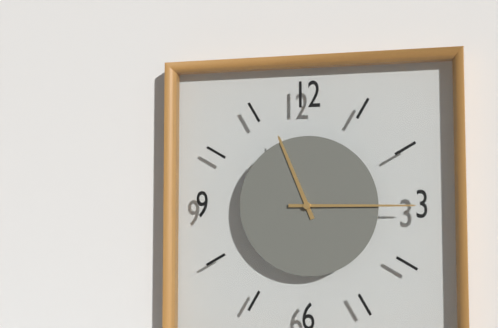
11:15
